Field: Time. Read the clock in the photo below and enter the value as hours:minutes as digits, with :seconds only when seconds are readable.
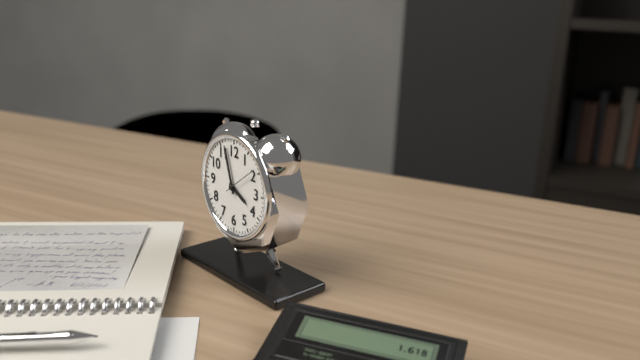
3:57
